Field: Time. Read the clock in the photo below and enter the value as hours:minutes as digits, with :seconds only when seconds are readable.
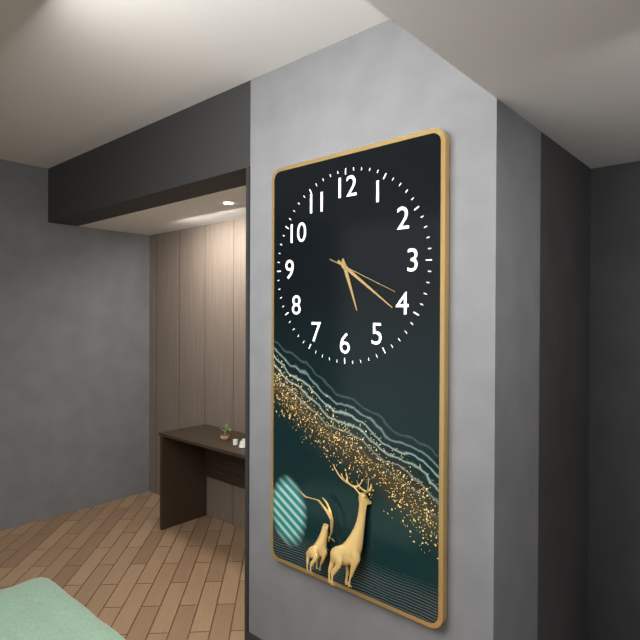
5:21:19
